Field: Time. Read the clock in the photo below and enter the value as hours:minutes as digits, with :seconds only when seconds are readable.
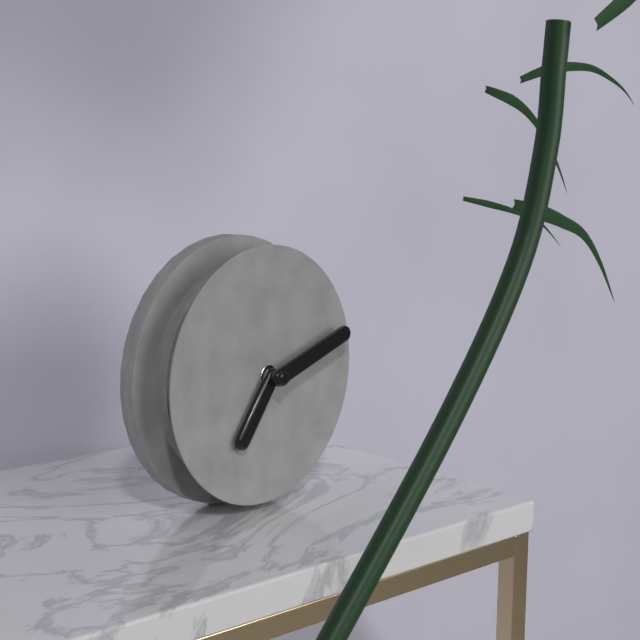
7:12
